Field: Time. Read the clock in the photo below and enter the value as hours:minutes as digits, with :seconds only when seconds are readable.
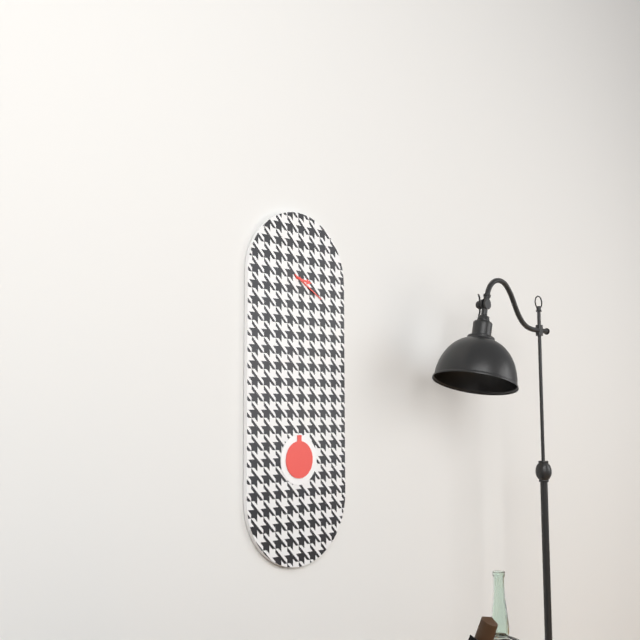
3:20
